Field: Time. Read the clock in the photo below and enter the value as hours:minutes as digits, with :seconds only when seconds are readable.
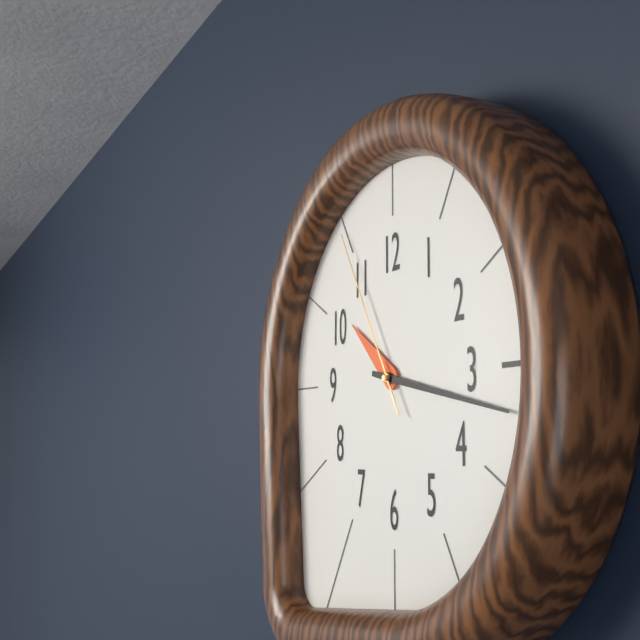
10:17:55
